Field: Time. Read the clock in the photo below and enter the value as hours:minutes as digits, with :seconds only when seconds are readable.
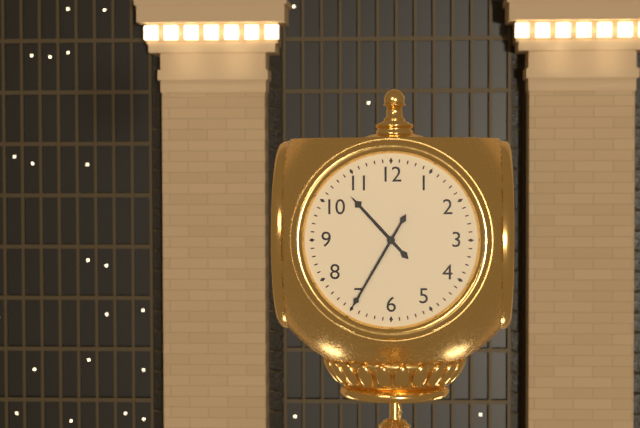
10:35
